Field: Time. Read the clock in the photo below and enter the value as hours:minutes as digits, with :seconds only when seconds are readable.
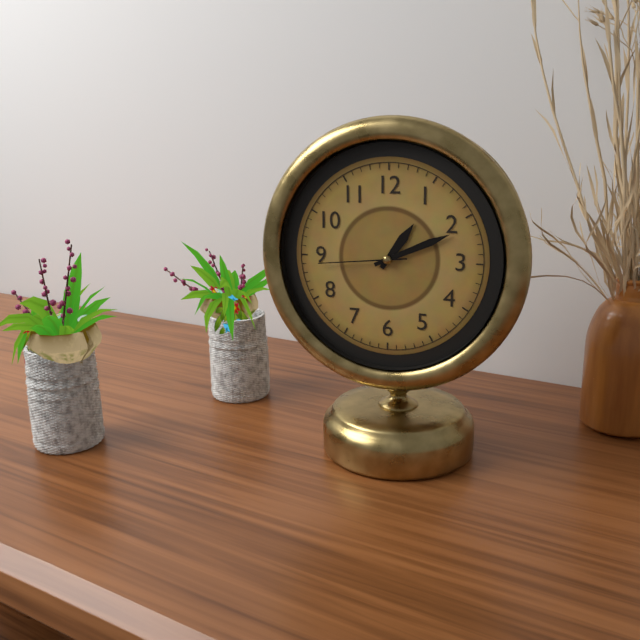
1:11:44
